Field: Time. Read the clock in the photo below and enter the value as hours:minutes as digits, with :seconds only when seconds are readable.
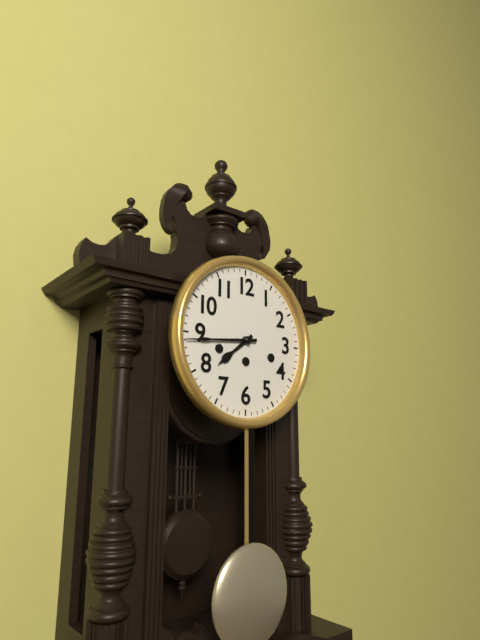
7:44
